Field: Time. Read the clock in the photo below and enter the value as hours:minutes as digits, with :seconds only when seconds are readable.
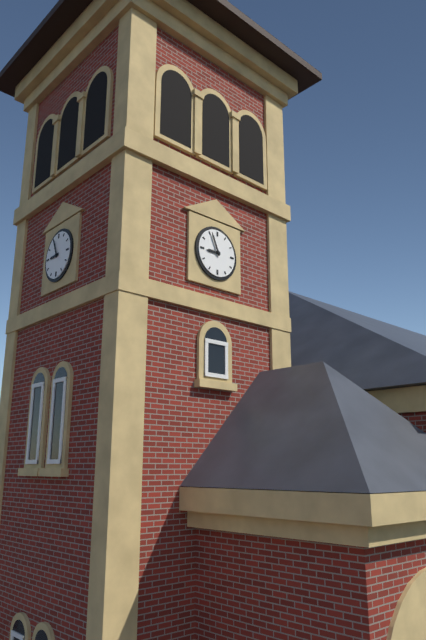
8:56
